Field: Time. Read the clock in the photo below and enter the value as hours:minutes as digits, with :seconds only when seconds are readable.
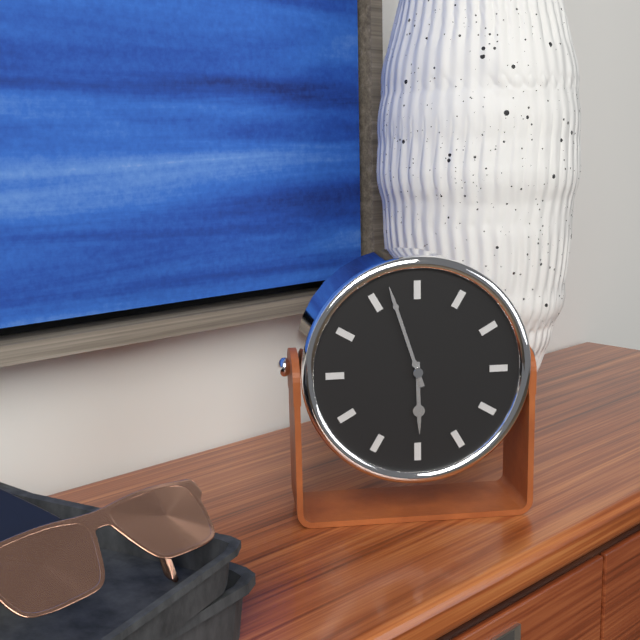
5:57
